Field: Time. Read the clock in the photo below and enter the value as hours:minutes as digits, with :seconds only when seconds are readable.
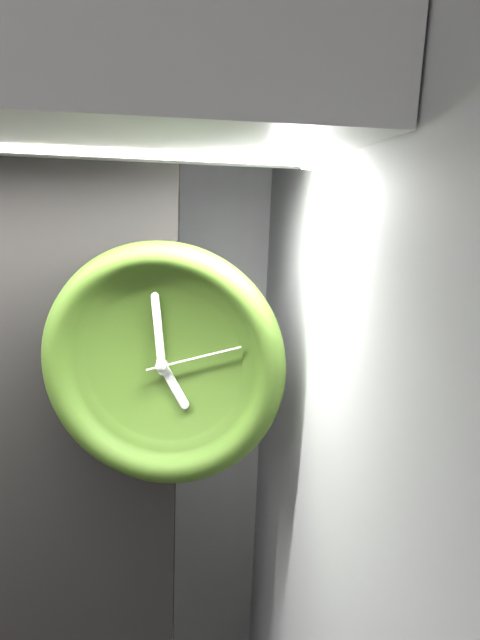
4:59:12
